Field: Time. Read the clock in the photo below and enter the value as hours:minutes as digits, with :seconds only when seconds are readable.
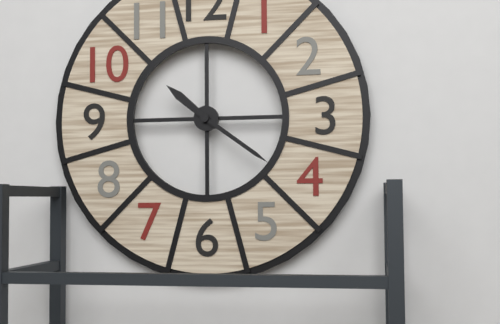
10:21
